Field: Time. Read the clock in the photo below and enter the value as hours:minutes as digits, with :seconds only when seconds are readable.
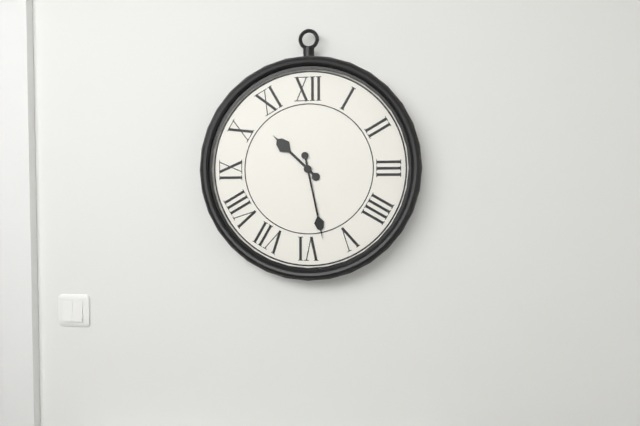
10:28
